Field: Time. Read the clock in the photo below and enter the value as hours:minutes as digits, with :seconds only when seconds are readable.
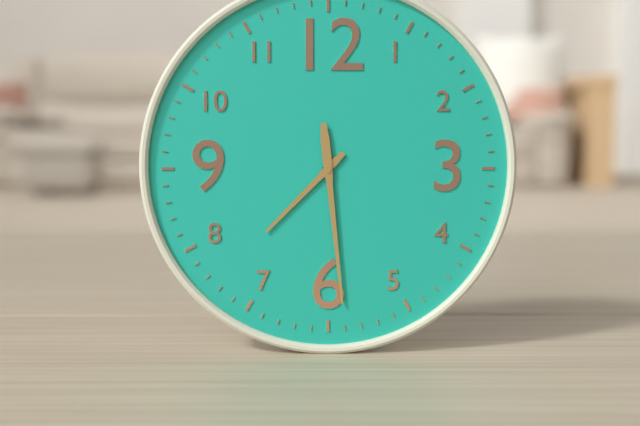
7:29
